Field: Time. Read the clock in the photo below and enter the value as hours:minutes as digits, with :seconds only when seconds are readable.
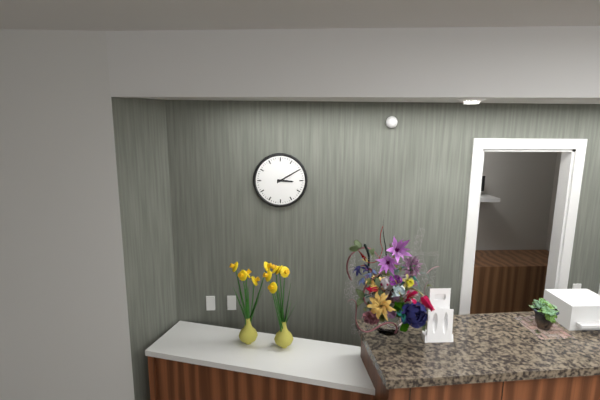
3:10
